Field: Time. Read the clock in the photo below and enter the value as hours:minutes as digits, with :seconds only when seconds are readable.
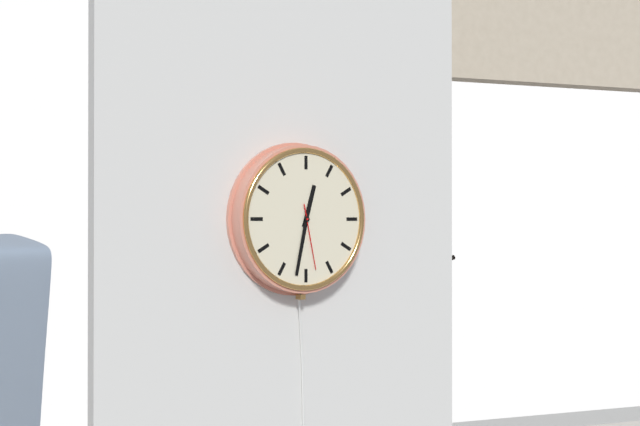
12:32:28
